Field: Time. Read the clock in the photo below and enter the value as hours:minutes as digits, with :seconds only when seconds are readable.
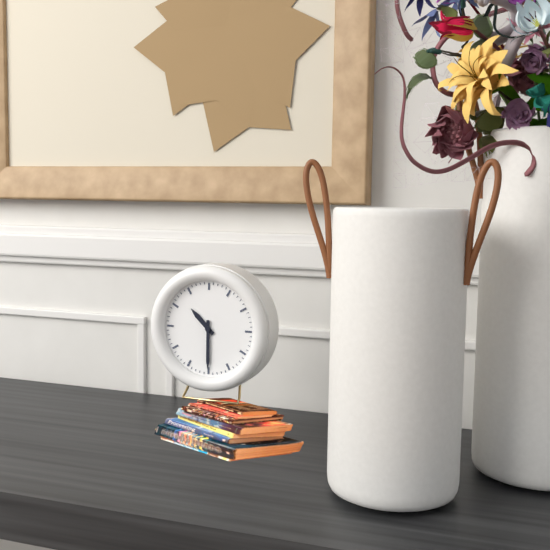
10:30
